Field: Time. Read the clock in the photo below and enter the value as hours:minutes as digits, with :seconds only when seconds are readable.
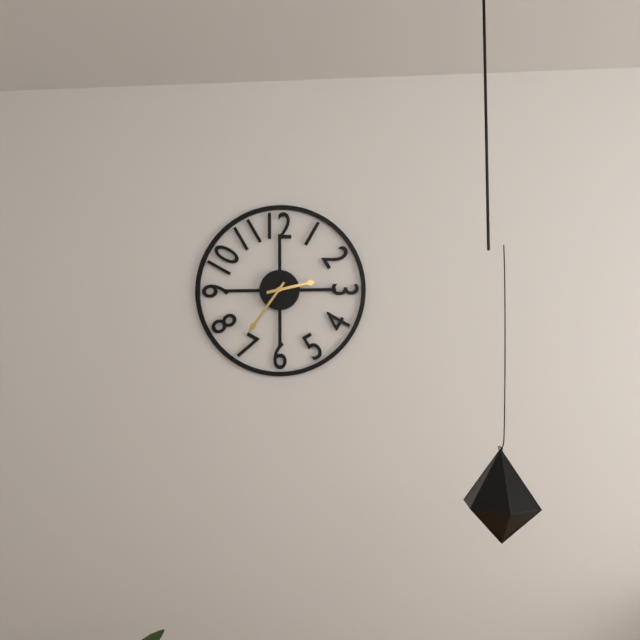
2:36
